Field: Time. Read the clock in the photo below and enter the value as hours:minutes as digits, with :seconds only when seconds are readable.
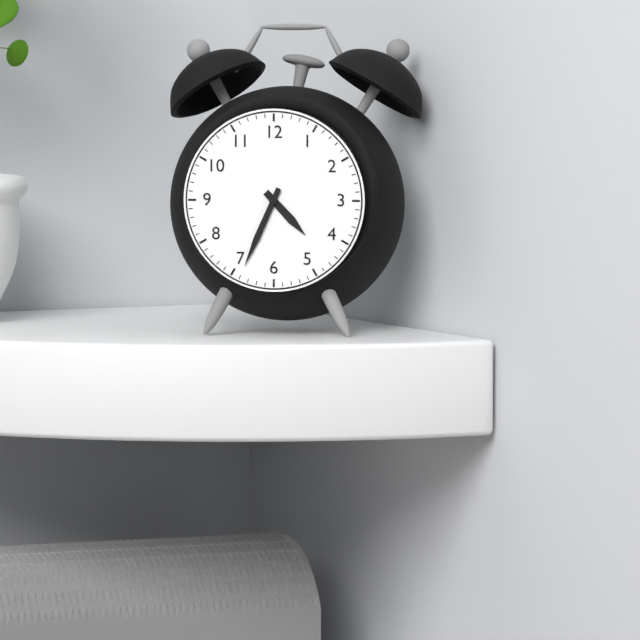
4:34
